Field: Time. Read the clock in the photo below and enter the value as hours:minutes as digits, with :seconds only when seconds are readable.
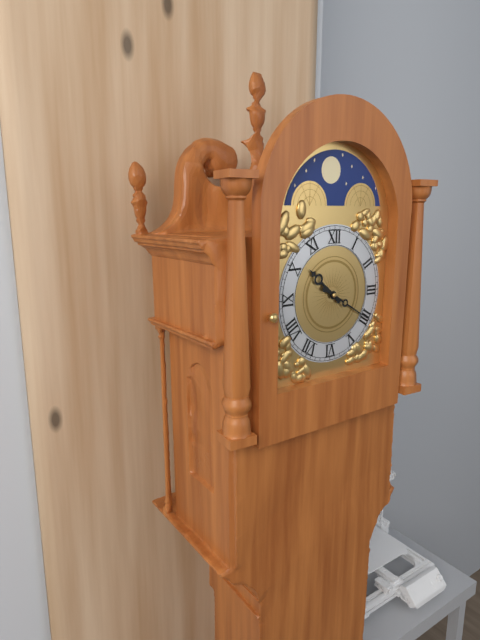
10:20
